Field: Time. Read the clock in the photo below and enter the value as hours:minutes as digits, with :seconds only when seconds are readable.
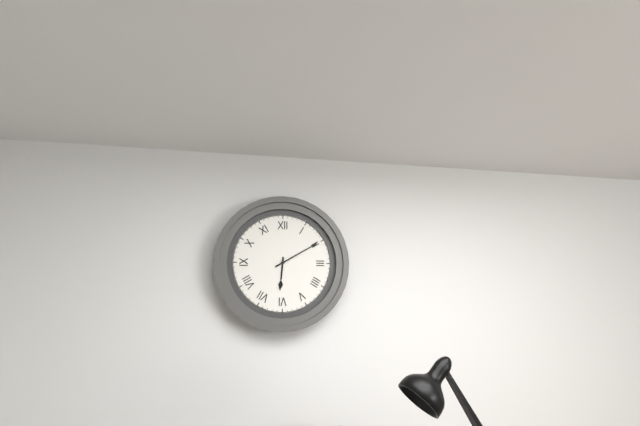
6:10
